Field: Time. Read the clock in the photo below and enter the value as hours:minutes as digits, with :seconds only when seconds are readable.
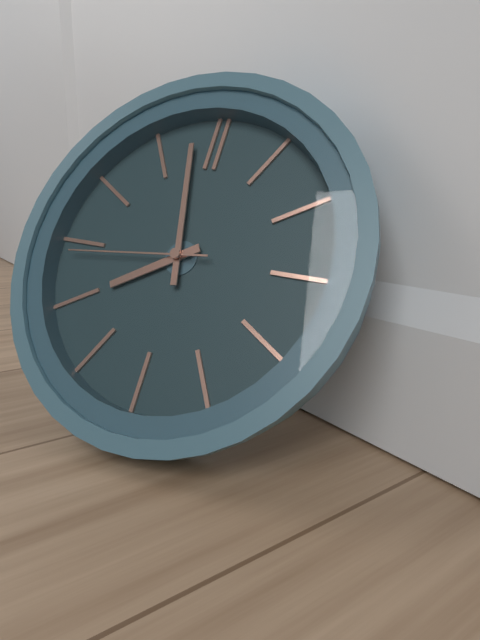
7:58:44
